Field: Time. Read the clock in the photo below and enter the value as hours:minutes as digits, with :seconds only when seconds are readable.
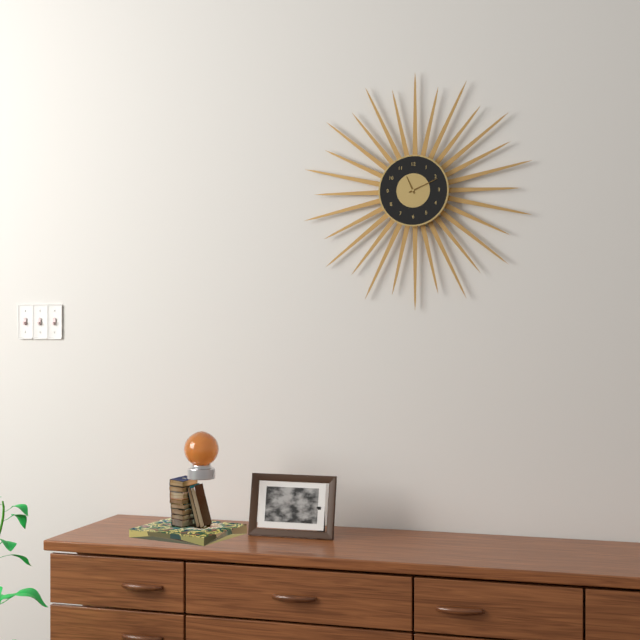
11:11
